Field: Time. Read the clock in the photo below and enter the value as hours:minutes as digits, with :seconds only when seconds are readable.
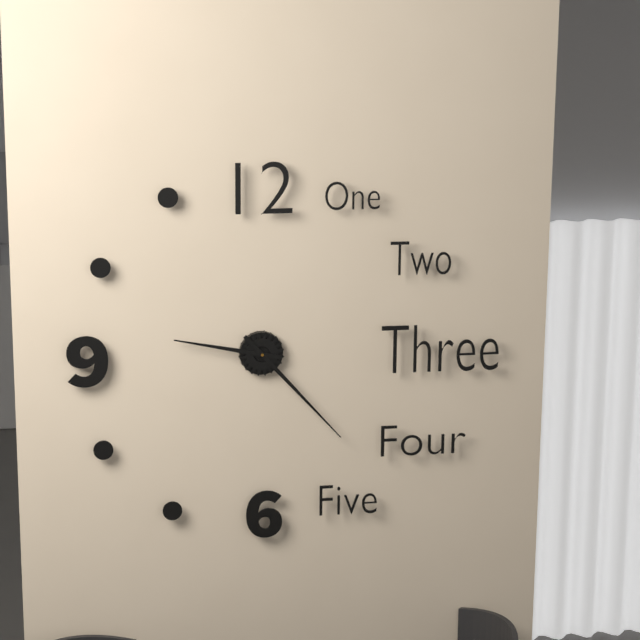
9:23
